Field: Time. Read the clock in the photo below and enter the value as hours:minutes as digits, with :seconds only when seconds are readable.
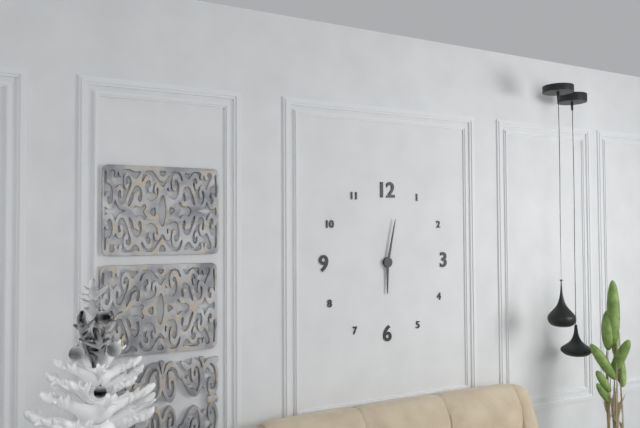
6:02
